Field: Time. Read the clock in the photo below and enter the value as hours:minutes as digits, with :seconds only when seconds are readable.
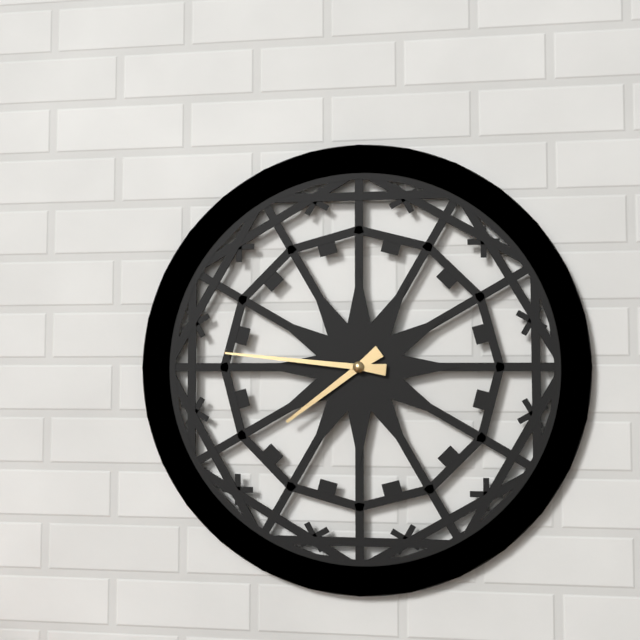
7:46
